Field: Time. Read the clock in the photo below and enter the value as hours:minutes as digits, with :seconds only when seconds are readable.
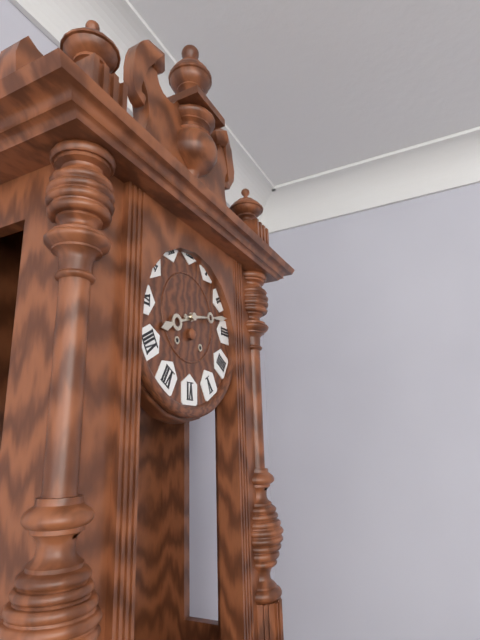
8:13
